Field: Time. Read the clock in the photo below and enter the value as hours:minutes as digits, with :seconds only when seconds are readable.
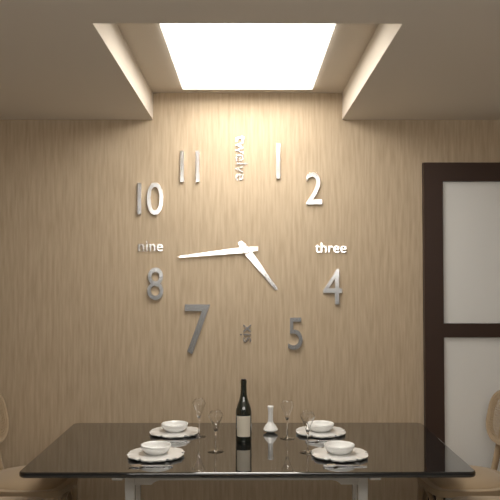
4:44
